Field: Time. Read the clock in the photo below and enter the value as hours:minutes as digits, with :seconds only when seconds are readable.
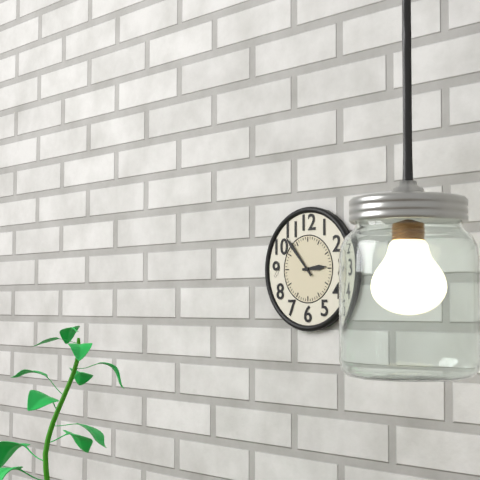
2:53
